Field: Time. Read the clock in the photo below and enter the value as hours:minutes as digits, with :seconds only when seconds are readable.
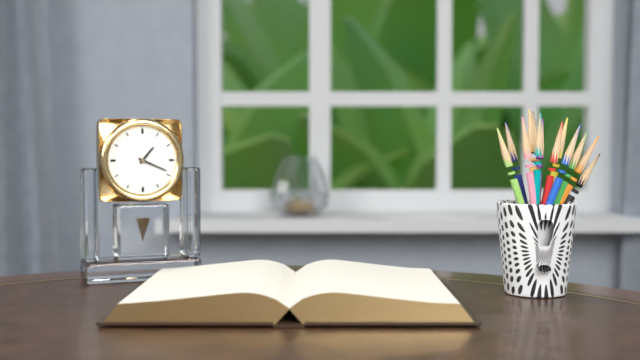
1:19
